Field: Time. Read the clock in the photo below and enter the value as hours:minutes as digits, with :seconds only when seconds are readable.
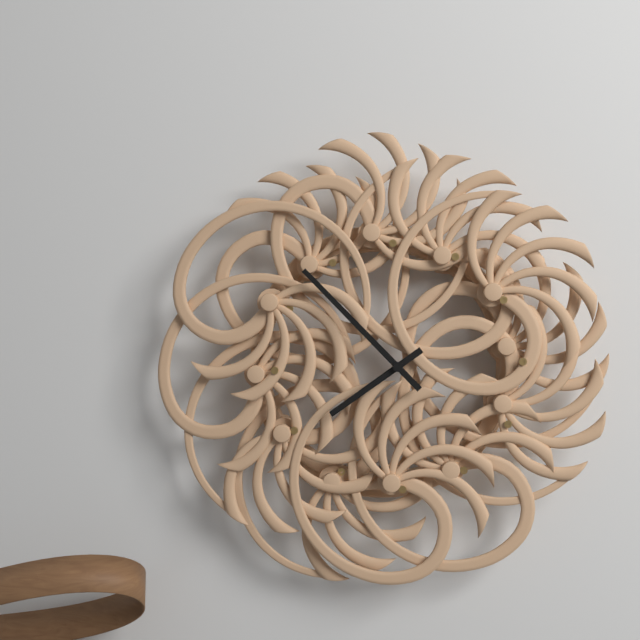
7:53
